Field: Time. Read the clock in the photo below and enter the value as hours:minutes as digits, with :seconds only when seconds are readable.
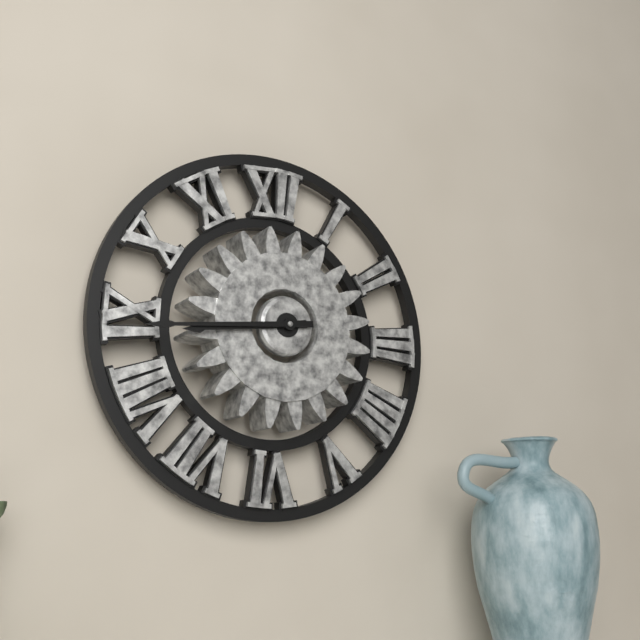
8:44
